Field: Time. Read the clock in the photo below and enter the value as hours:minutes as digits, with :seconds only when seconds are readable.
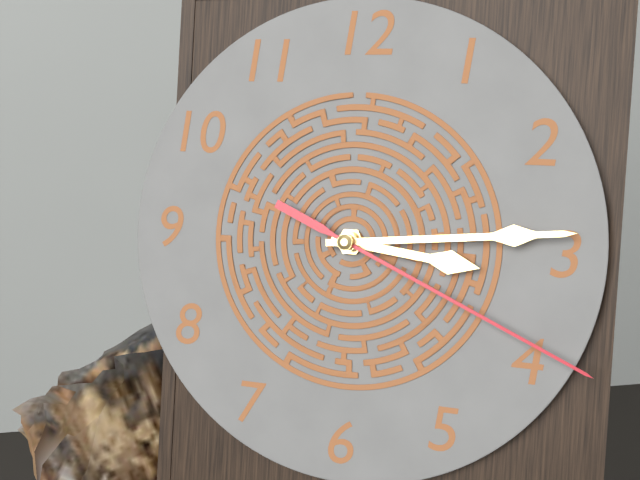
3:14:19
